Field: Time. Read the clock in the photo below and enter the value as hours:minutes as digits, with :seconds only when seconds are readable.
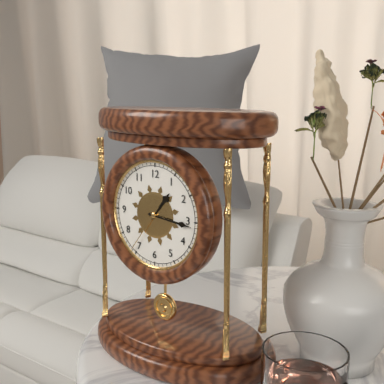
1:16
